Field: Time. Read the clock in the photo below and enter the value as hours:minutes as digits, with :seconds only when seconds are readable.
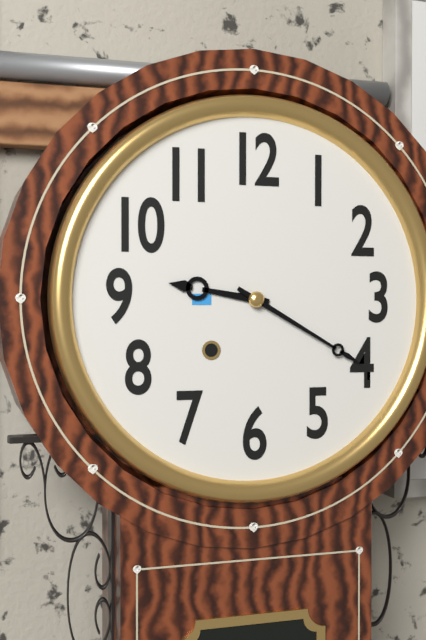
9:20
